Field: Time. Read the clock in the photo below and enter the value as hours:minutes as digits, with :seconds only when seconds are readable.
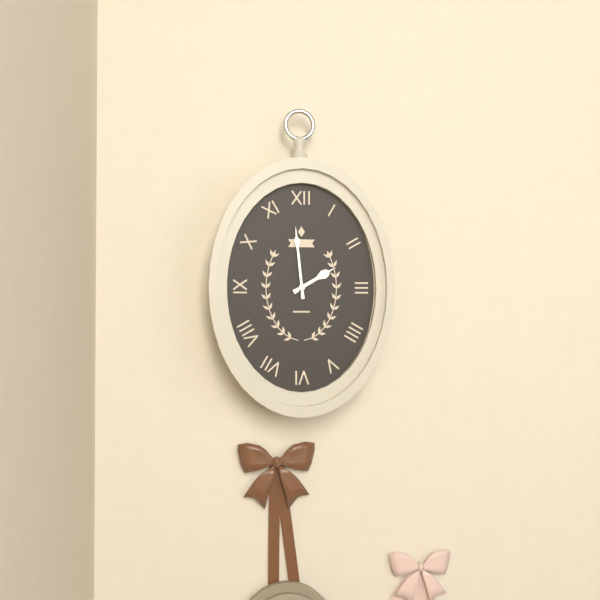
1:59
